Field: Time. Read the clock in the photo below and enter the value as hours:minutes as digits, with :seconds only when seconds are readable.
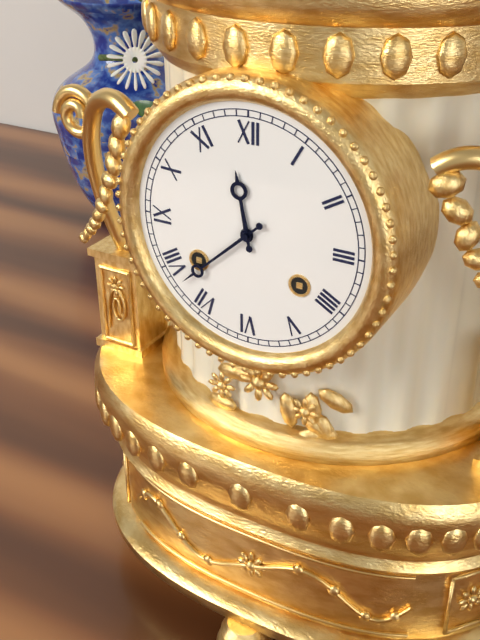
11:38
